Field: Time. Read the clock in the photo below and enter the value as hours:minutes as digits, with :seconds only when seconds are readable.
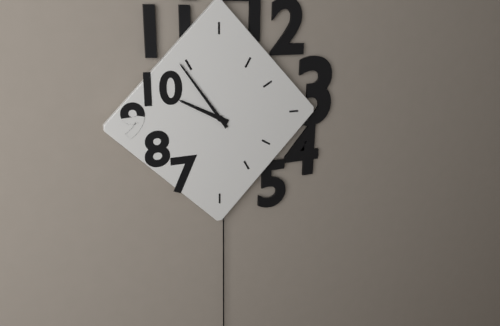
9:54
